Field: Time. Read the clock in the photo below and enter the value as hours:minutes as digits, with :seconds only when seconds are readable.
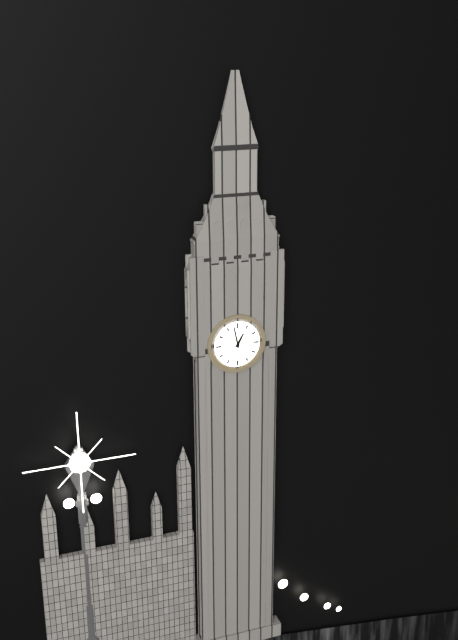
12:58
